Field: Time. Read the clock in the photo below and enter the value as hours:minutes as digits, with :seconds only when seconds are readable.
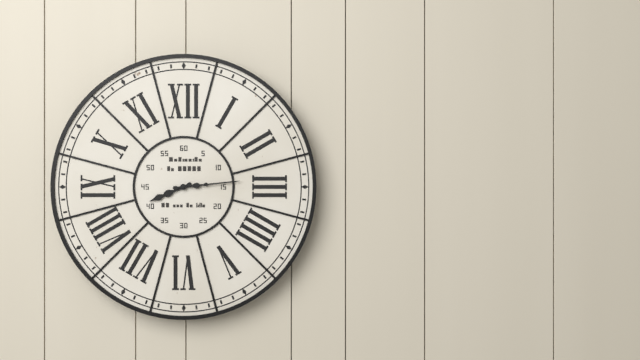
8:14
